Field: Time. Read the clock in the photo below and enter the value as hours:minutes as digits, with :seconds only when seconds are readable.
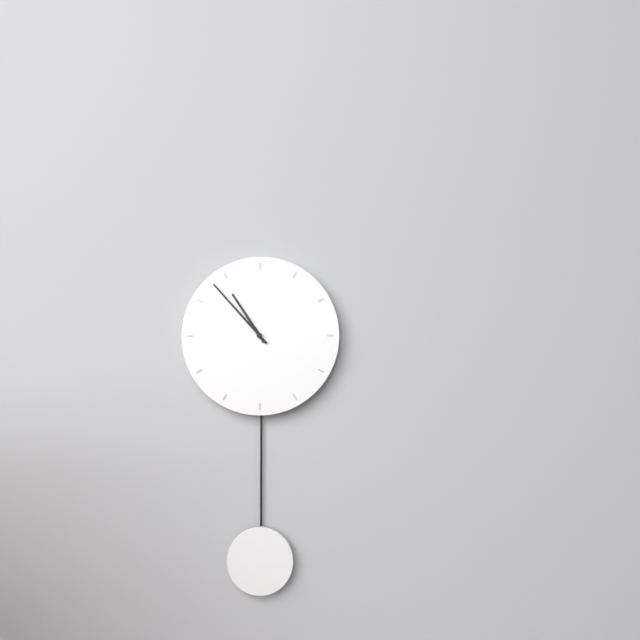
10:53
